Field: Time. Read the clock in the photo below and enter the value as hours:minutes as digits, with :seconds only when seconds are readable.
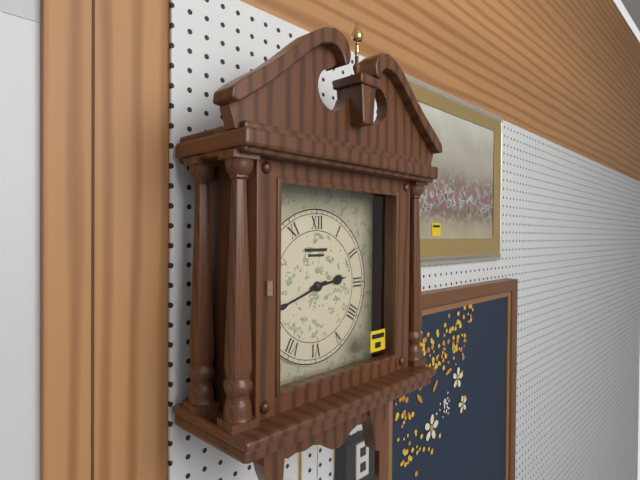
2:42
